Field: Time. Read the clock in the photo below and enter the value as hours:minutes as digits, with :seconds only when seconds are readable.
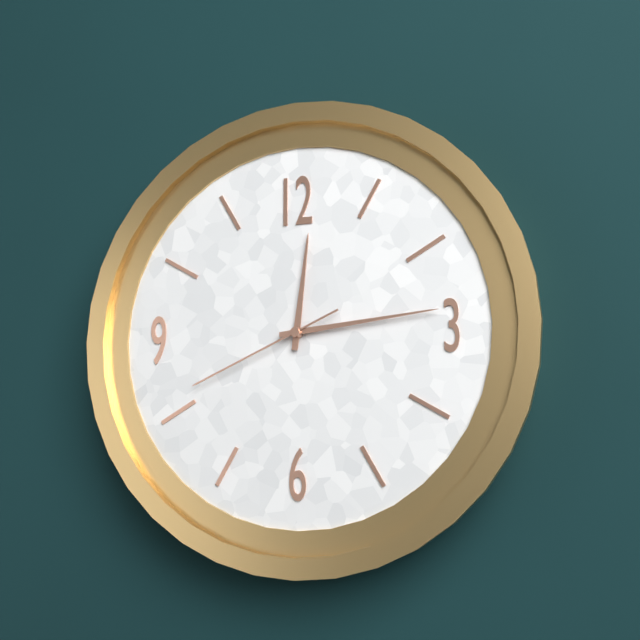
12:14:41
